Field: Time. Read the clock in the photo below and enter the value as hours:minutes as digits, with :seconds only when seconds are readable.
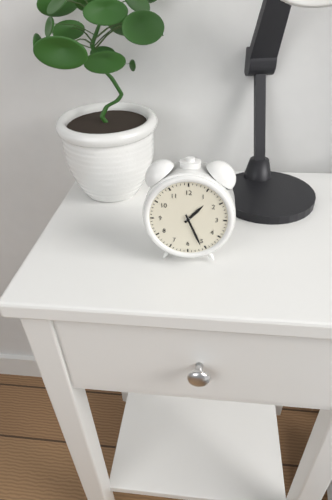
1:26
